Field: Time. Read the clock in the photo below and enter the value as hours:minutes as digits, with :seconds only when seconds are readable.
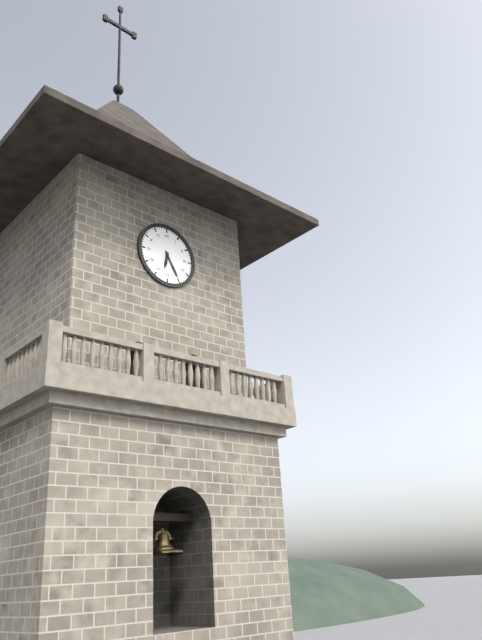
6:25
